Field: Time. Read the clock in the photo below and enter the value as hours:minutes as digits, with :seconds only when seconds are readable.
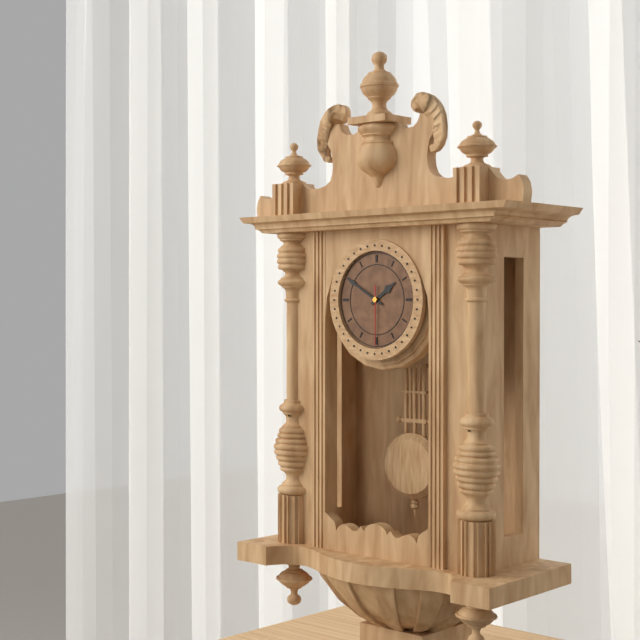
1:50:30
